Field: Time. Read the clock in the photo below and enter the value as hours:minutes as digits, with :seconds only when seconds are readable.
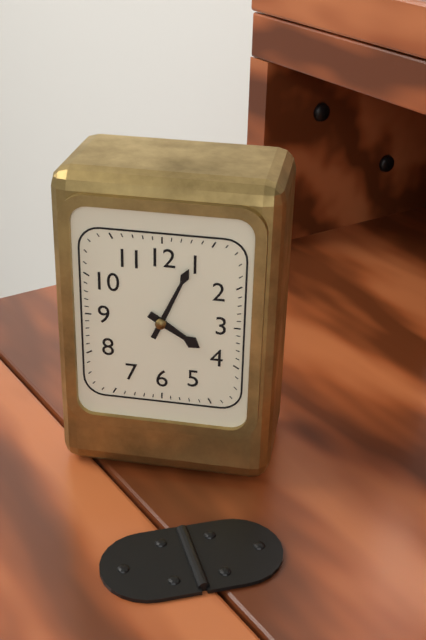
4:04
